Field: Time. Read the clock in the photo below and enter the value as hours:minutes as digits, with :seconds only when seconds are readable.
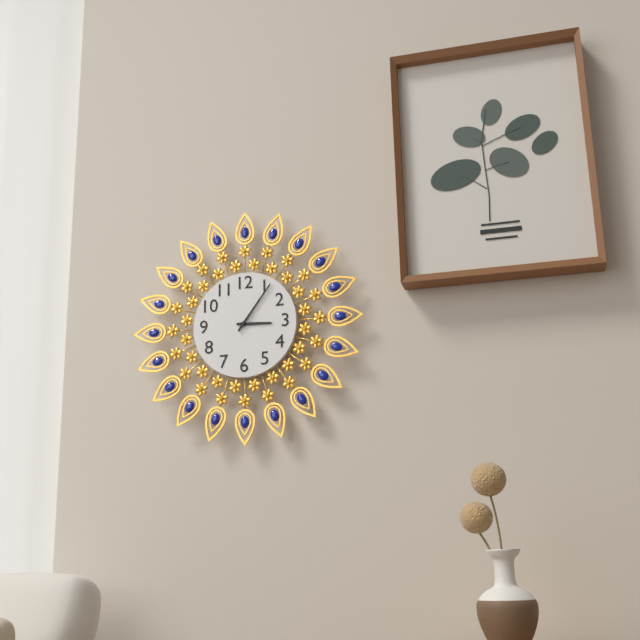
3:06
